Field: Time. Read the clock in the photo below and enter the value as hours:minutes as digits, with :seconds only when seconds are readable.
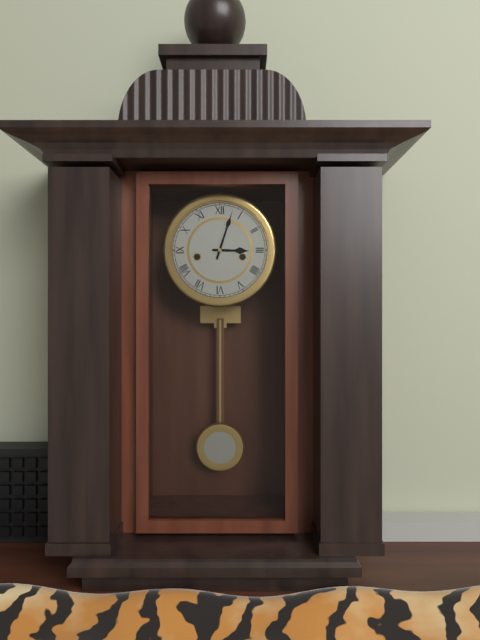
3:03
